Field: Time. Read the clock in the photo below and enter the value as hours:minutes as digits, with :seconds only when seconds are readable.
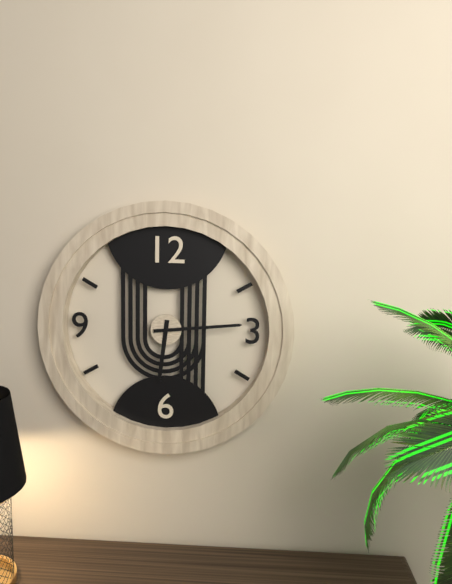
6:14
